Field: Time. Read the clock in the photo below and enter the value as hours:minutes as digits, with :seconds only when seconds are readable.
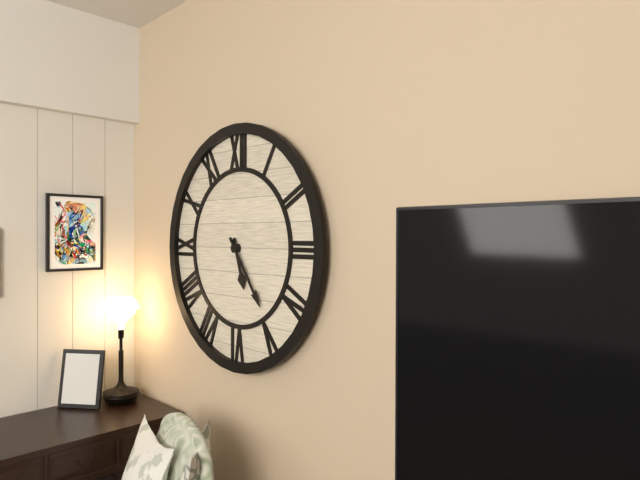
5:24
